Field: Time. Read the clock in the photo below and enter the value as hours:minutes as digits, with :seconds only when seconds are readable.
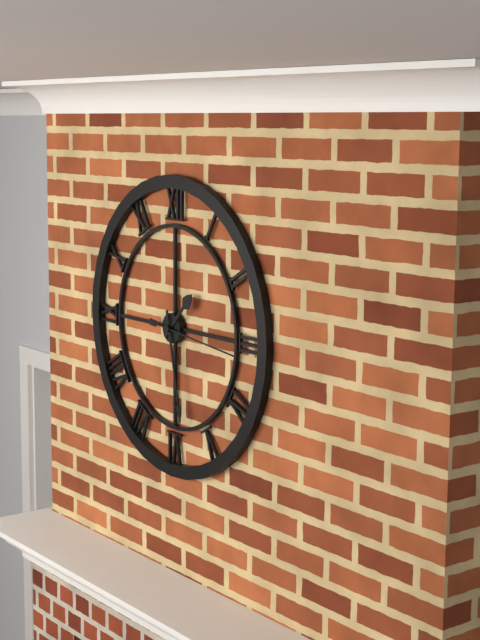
1:28:16
